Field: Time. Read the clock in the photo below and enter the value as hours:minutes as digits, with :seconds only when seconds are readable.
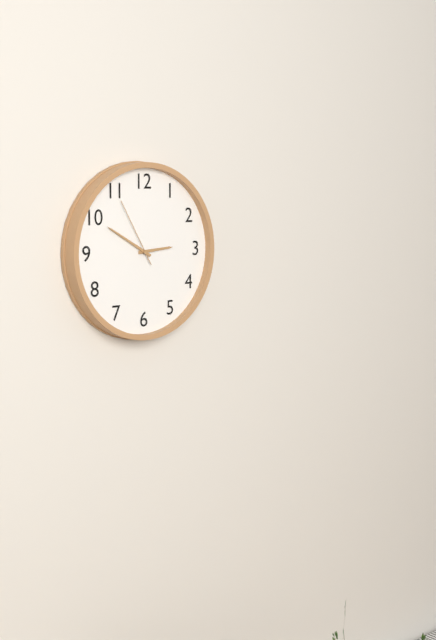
2:50:55
